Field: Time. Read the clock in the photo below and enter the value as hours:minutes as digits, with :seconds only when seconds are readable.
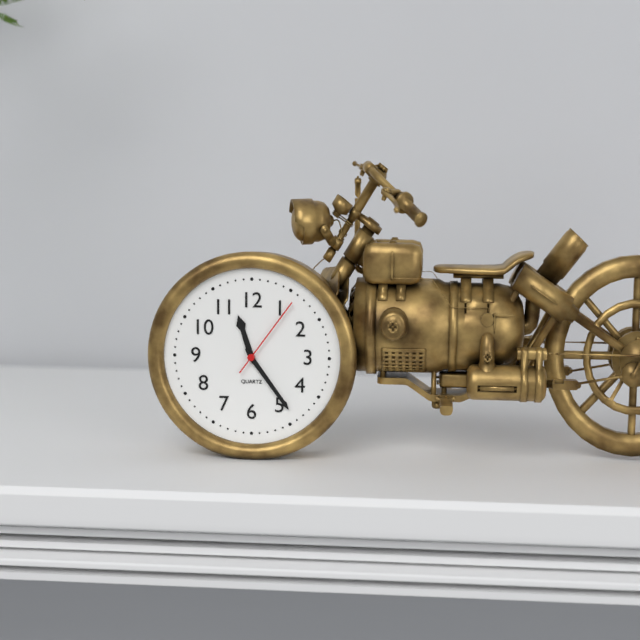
11:24:06
